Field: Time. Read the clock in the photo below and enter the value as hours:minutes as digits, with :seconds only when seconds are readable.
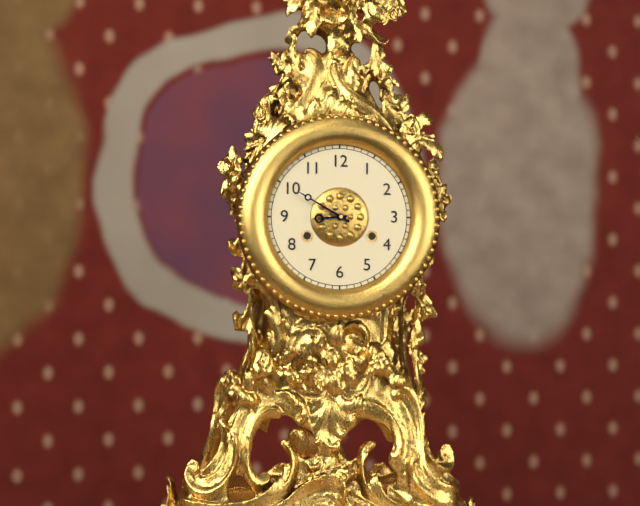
8:50
